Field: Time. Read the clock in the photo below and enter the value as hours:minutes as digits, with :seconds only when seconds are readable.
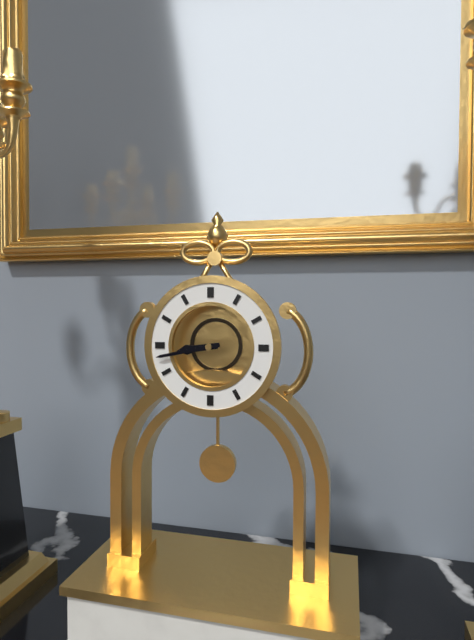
8:43
